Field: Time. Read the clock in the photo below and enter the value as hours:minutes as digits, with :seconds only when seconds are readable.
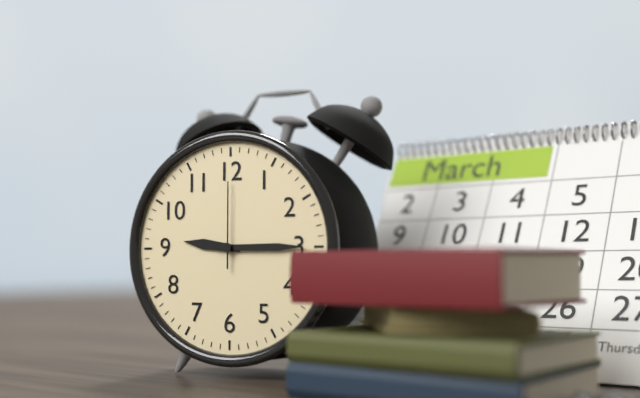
9:15:00
